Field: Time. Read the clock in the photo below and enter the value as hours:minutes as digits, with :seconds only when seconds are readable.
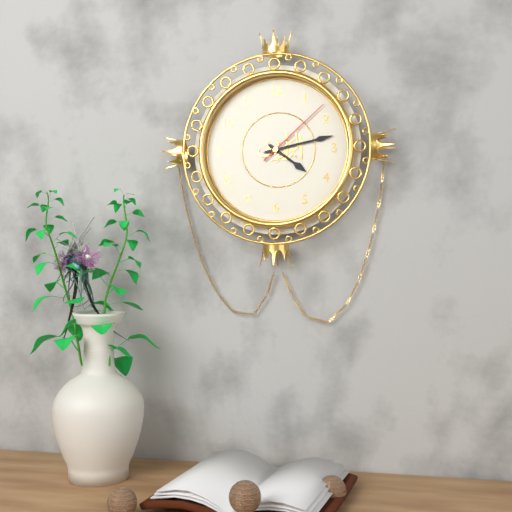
4:13:08
